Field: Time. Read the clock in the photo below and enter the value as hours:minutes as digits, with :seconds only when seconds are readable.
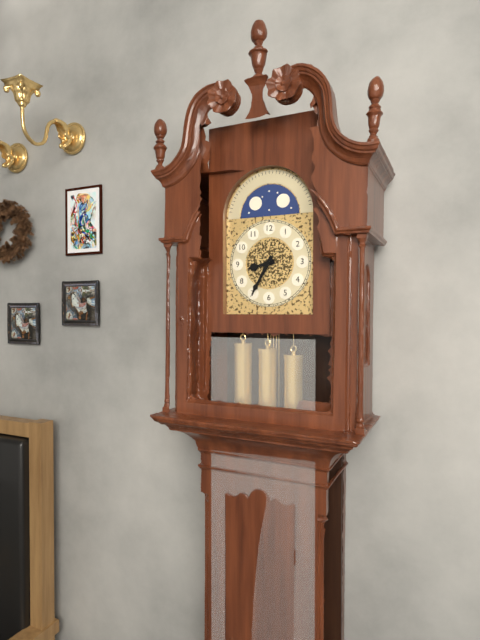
8:35
